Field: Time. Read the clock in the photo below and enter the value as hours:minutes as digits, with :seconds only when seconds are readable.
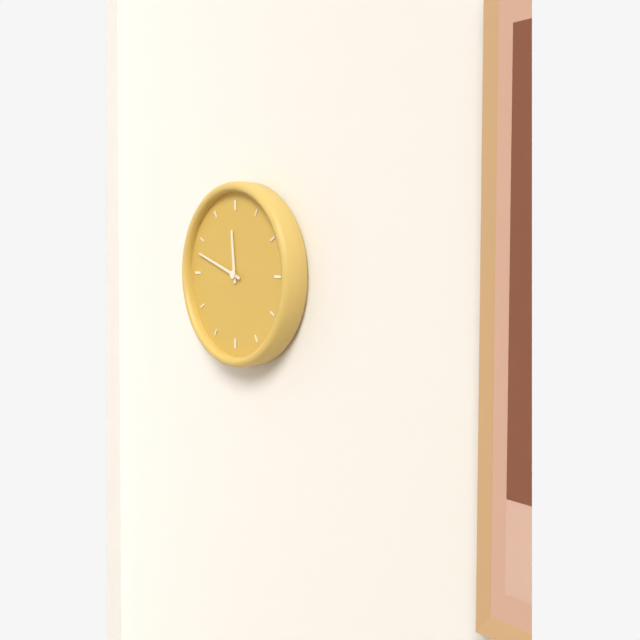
11:48
